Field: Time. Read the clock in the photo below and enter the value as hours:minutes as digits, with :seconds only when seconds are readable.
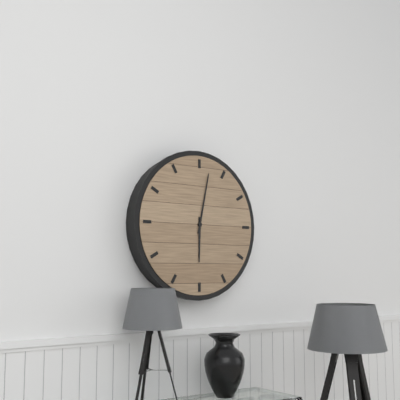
6:02
